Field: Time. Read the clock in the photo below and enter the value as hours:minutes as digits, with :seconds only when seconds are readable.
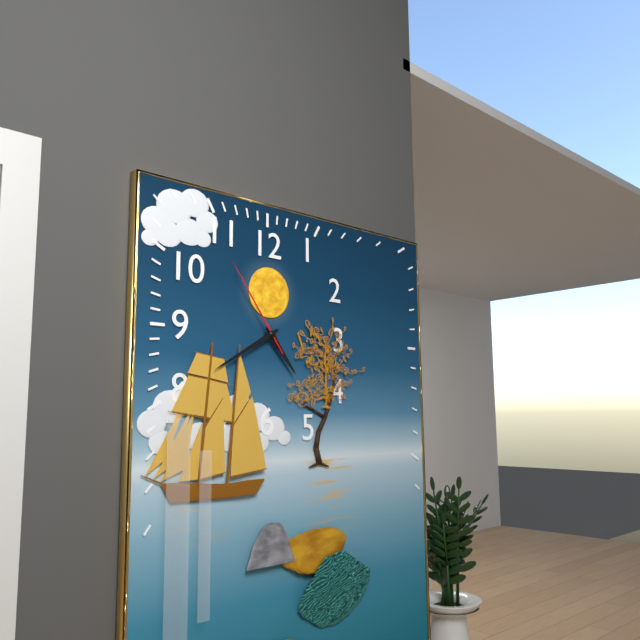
4:40:54
